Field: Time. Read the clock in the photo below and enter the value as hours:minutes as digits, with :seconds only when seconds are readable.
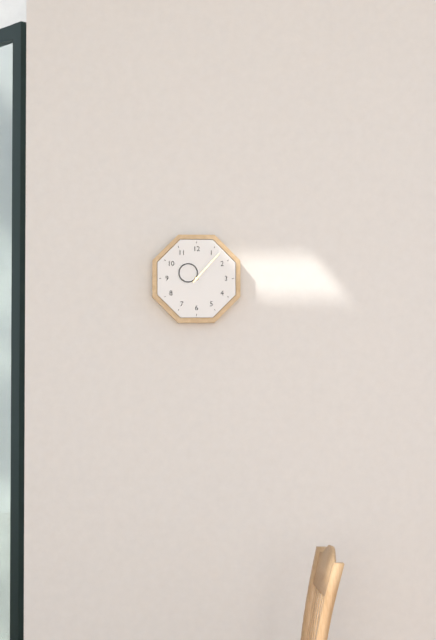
10:07
